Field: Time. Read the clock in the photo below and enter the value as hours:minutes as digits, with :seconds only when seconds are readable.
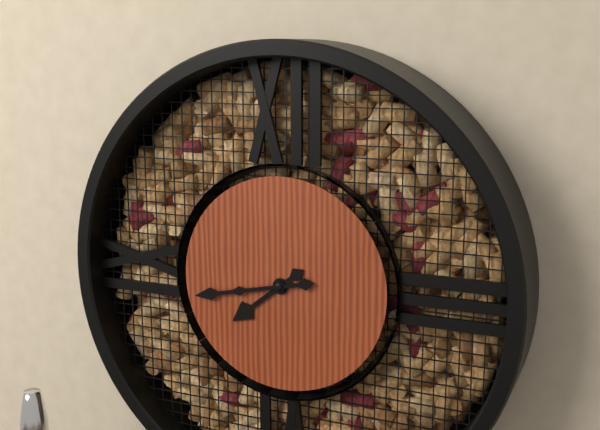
7:43
